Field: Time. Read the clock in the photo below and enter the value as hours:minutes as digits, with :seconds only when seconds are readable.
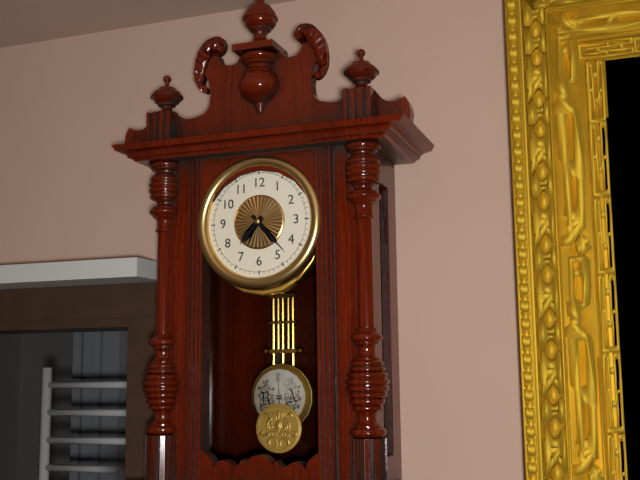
7:23
